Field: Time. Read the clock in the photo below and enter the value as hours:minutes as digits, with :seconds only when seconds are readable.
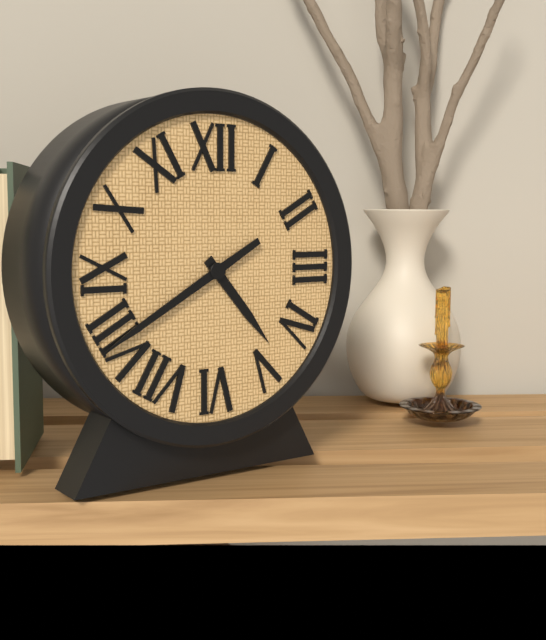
4:40
